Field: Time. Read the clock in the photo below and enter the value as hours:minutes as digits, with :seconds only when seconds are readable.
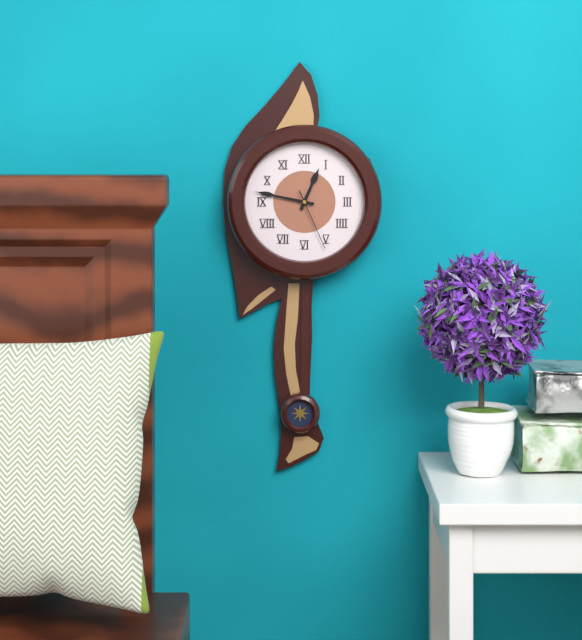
12:47:26
